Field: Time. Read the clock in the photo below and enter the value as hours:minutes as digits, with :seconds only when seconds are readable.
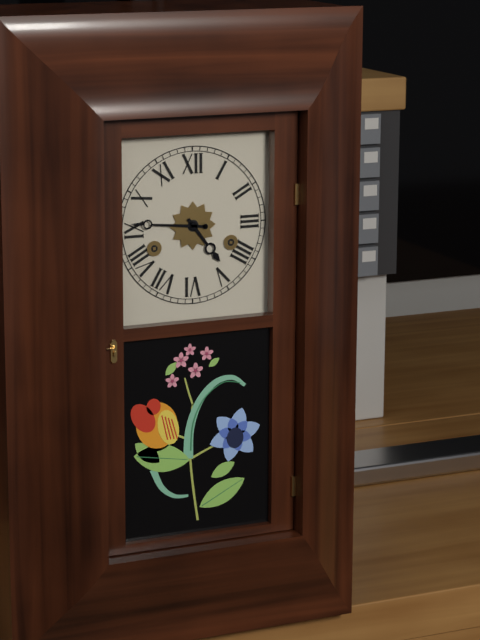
4:46
